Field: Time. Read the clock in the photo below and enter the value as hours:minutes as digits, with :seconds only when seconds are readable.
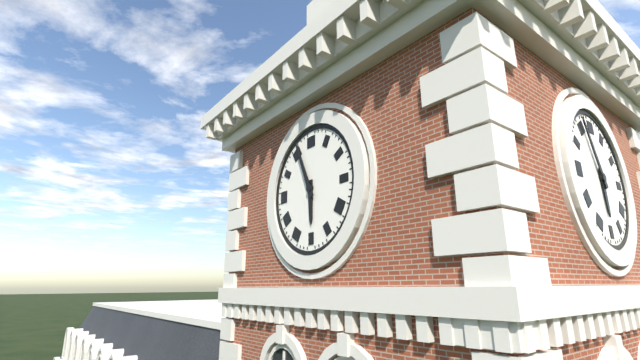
5:56
